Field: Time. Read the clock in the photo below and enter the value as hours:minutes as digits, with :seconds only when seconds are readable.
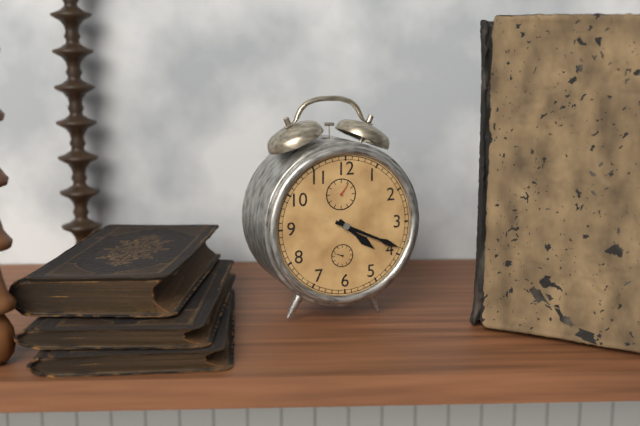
4:19
